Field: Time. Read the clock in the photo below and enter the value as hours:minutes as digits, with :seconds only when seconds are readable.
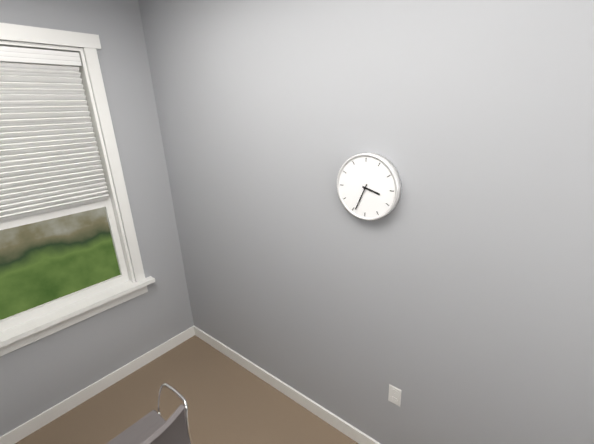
3:34
